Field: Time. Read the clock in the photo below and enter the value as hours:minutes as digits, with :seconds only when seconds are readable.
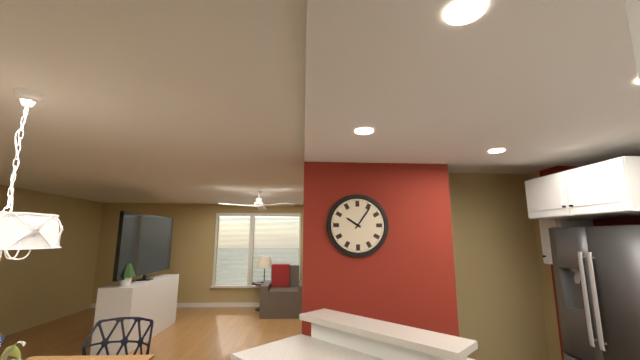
10:06
